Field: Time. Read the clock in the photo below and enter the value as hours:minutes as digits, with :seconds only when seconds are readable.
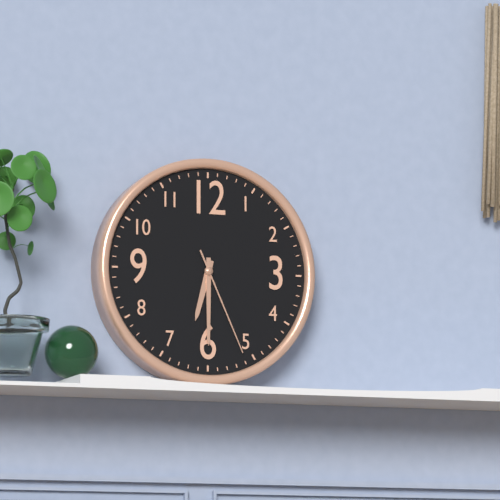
6:30:26
